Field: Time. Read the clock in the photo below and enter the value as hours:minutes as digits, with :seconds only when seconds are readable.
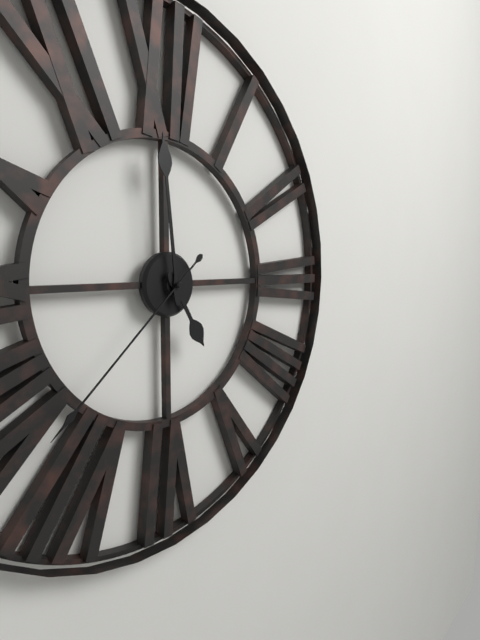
4:59:38
